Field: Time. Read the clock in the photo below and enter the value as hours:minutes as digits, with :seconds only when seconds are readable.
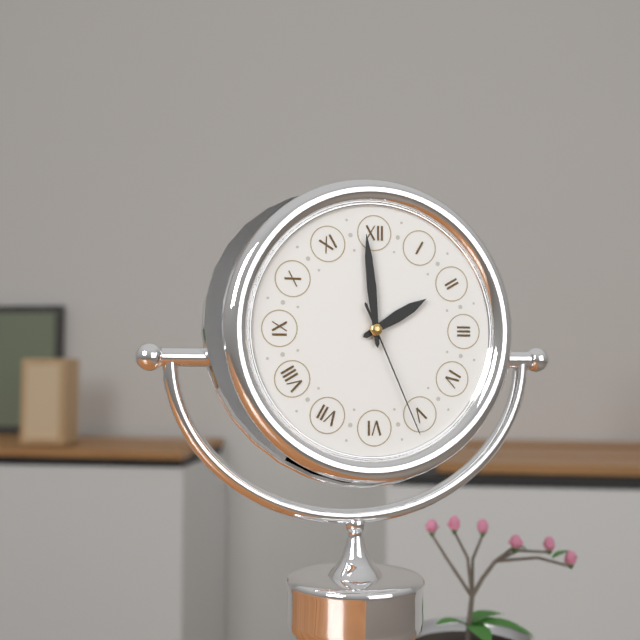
1:59:26
